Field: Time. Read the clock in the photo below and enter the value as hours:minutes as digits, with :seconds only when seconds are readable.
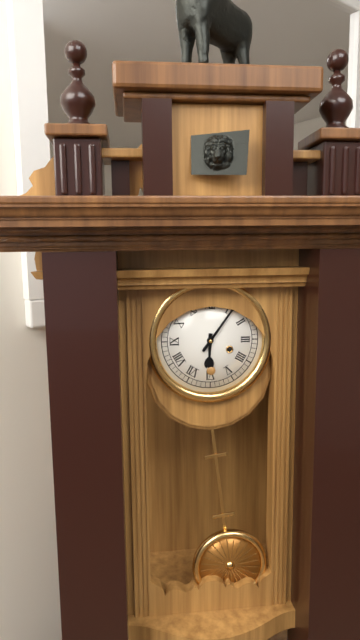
6:06
